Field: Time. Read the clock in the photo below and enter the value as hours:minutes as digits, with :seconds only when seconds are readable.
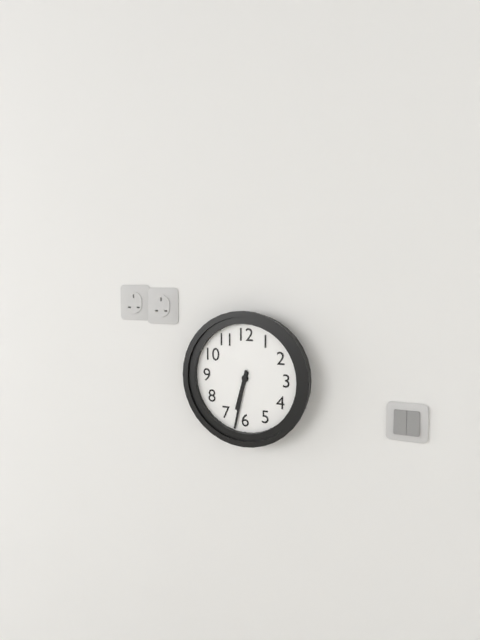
6:32
